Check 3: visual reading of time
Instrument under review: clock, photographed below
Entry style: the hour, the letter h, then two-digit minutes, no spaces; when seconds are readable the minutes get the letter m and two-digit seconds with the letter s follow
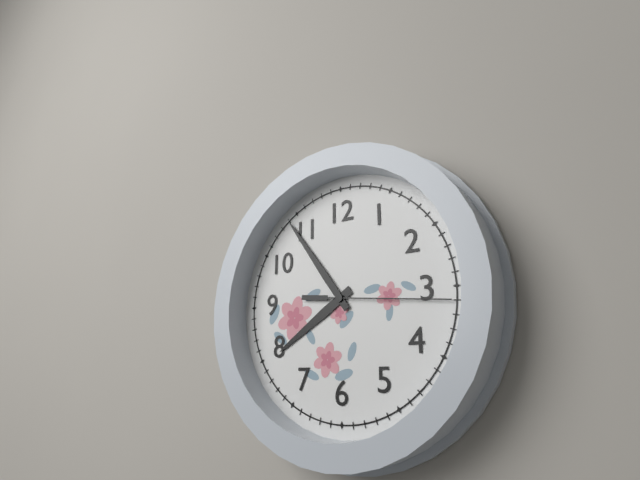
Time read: 7h54m16s
